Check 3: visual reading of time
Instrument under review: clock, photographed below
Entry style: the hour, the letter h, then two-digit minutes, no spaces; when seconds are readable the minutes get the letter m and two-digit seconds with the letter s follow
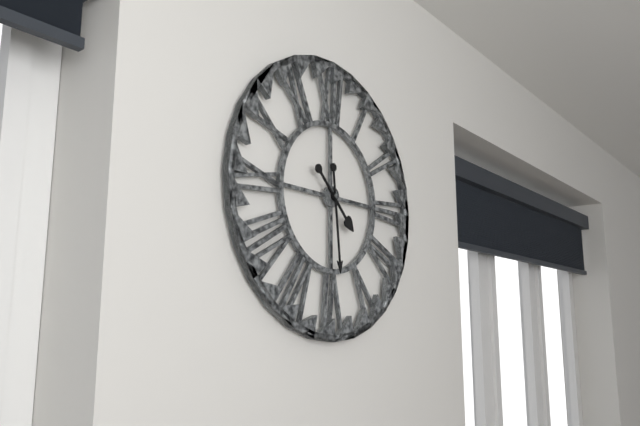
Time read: 4h29
